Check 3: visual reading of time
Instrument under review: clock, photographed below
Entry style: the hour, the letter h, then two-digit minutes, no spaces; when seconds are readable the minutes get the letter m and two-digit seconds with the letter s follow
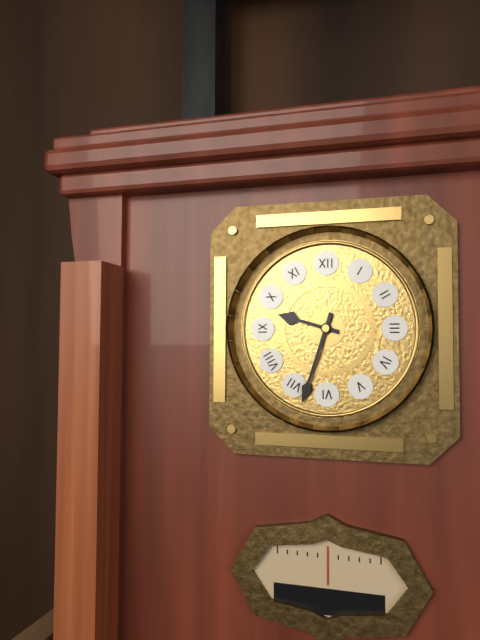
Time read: 9h33
